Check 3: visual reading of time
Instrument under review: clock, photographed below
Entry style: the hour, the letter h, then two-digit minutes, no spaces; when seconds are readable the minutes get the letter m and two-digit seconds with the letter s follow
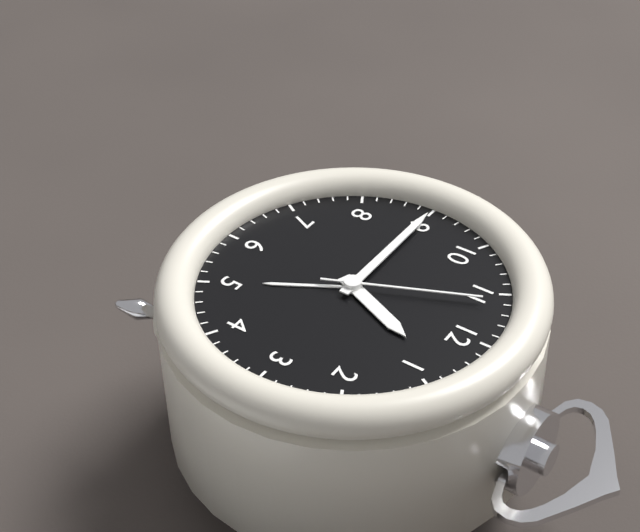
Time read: 12h45m56s
